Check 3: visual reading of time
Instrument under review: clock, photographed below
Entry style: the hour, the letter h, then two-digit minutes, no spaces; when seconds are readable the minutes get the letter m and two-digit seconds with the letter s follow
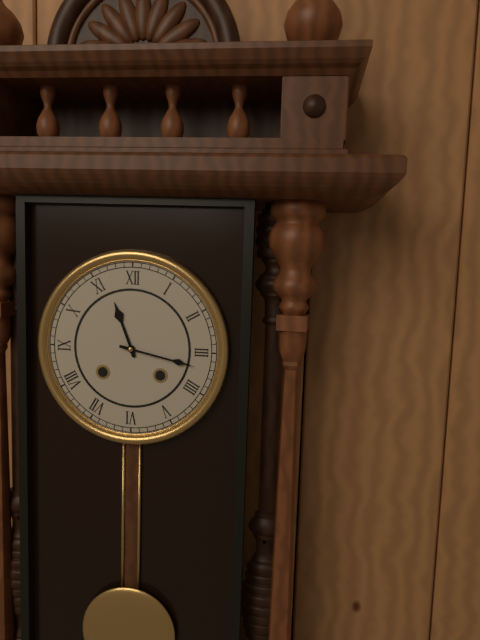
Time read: 11h17
